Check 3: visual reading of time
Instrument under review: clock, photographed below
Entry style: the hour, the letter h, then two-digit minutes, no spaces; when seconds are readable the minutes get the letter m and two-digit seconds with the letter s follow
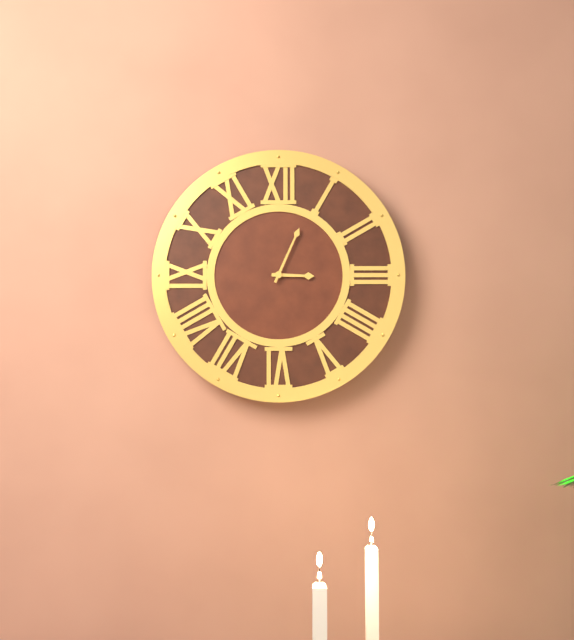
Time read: 3h04
